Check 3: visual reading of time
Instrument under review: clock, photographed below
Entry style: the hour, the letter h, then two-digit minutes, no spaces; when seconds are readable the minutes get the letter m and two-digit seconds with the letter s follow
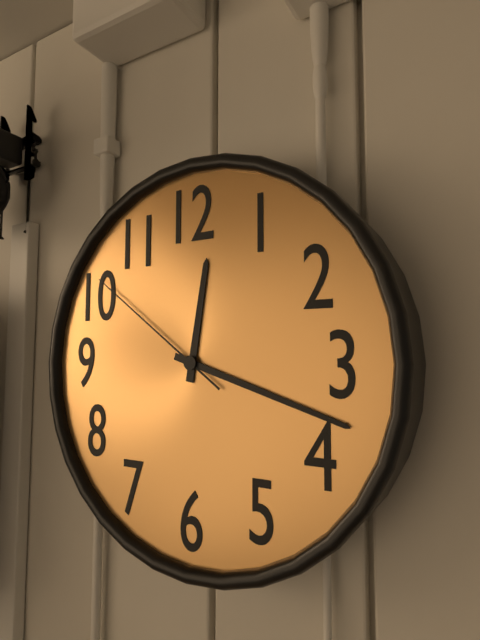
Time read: 12h18m51s
